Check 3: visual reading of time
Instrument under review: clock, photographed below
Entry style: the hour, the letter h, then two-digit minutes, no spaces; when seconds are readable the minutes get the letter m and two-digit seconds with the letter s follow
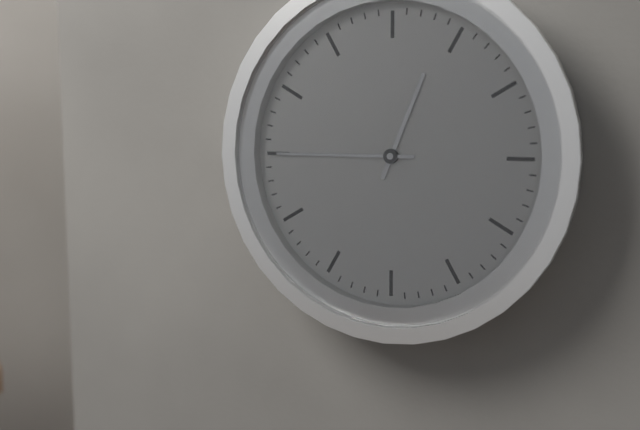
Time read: 12h45
